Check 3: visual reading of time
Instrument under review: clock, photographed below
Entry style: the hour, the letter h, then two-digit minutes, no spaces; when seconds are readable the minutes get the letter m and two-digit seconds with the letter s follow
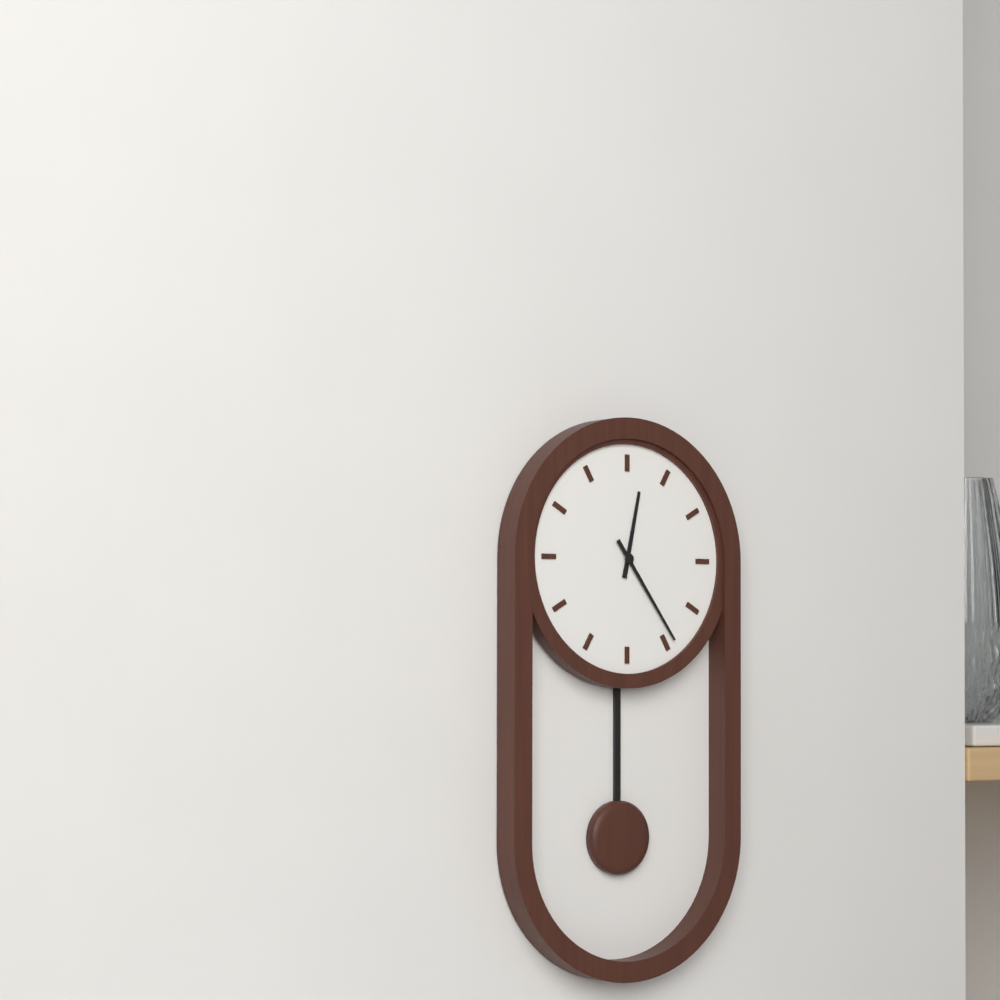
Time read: 12h24
